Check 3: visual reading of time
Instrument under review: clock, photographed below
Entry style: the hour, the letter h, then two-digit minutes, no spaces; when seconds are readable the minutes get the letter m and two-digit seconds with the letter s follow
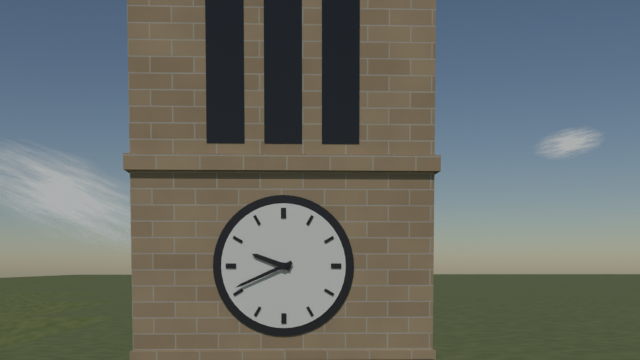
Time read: 9h41
